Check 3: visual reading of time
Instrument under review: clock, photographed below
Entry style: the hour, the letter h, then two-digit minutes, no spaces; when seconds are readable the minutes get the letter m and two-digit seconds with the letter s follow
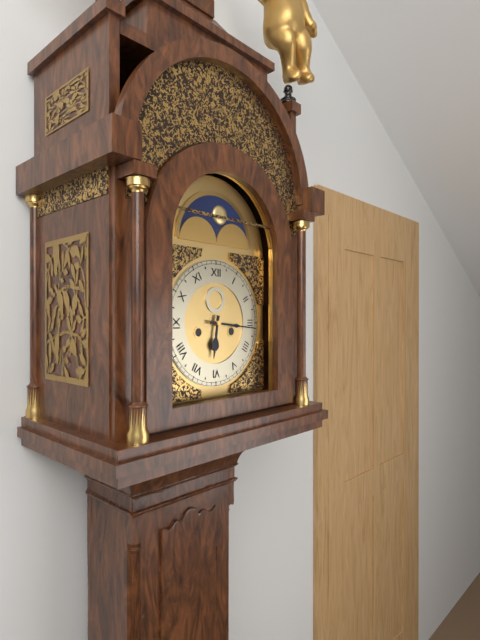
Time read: 6h16
